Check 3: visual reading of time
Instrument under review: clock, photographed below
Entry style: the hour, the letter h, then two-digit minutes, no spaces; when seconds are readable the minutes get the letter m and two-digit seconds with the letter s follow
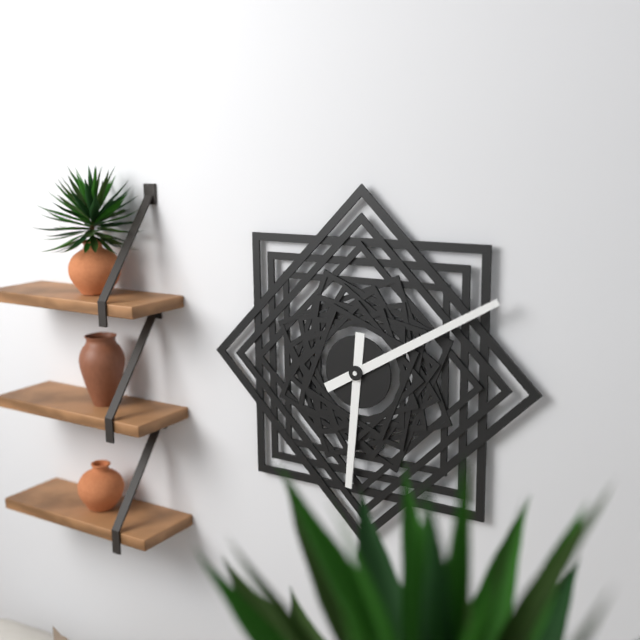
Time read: 6h10
